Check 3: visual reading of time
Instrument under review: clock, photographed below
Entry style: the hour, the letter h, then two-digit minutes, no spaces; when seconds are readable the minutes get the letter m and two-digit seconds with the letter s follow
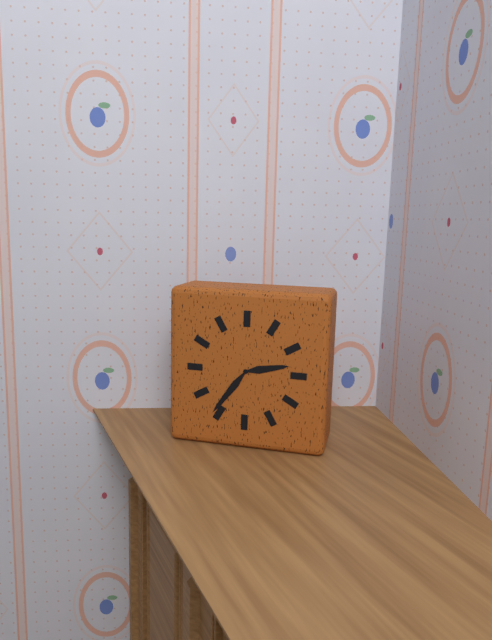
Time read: 2h36
